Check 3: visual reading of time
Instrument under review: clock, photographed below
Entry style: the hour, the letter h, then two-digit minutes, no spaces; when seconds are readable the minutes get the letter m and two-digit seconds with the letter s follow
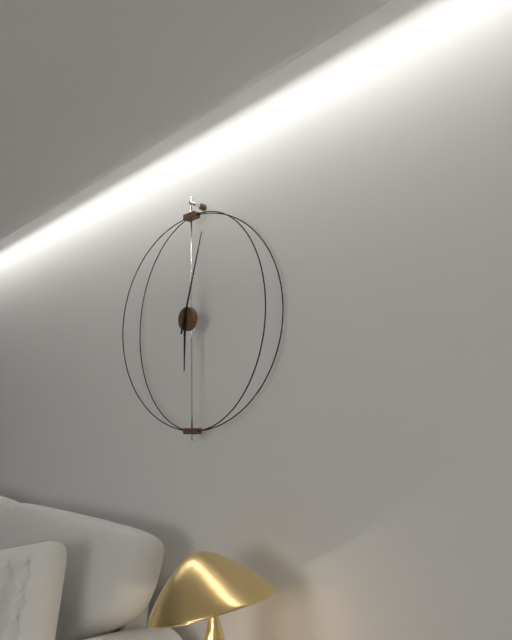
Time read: 6h03
